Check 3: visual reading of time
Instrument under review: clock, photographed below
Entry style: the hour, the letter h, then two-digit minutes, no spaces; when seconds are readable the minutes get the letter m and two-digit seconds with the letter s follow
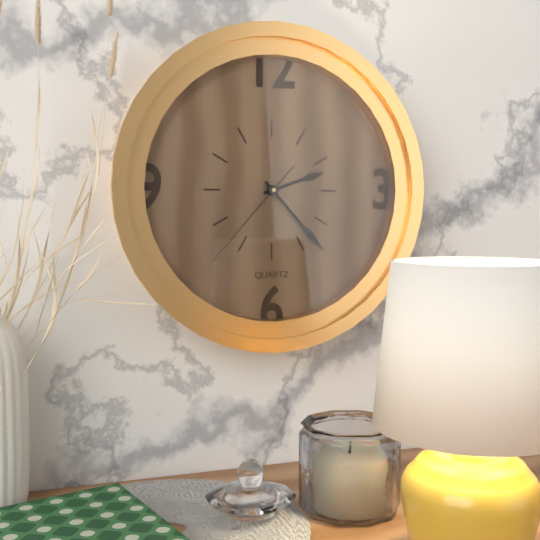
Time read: 2h23m37s
